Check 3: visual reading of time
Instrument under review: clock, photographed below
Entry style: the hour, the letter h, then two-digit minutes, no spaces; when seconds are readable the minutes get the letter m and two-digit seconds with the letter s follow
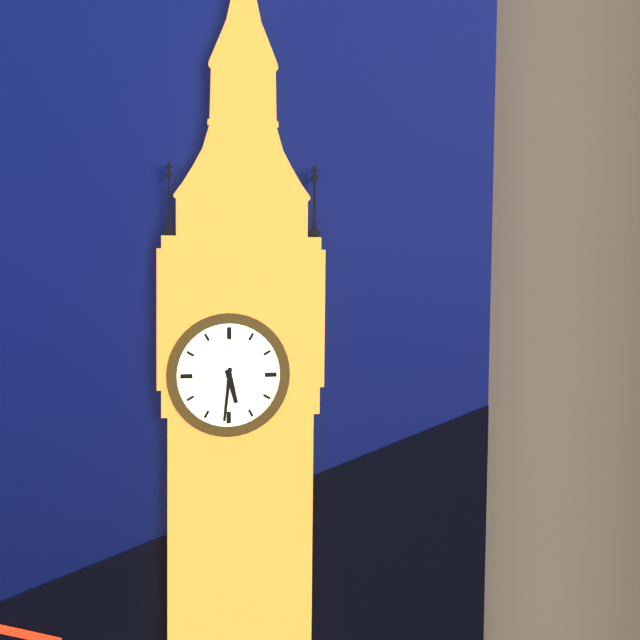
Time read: 5h31
